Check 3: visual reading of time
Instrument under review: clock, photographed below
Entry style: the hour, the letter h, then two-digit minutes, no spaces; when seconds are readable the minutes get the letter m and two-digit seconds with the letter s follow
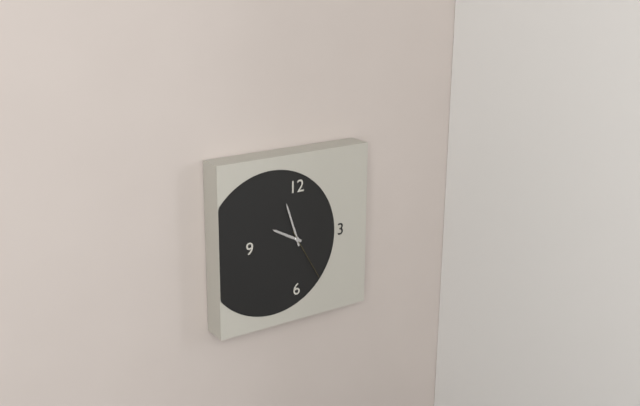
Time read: 9h57m25s
